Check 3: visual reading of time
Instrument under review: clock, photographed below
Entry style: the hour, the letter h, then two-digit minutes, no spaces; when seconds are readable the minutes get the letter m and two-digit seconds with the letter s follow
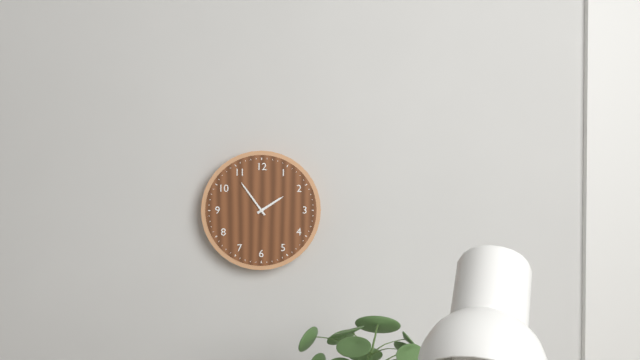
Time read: 1h54
